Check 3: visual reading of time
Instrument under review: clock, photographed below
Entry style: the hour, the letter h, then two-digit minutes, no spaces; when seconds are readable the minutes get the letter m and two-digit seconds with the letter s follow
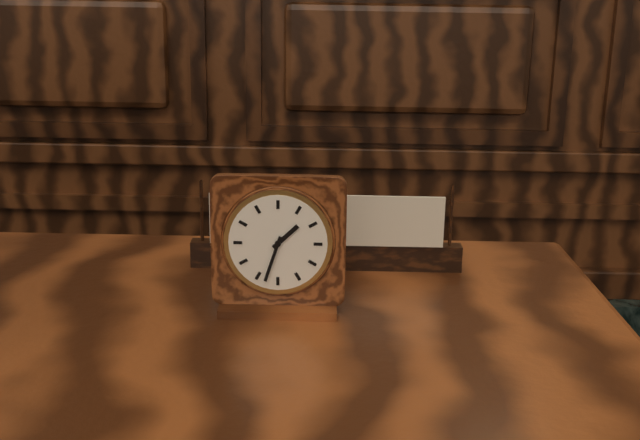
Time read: 1h33
